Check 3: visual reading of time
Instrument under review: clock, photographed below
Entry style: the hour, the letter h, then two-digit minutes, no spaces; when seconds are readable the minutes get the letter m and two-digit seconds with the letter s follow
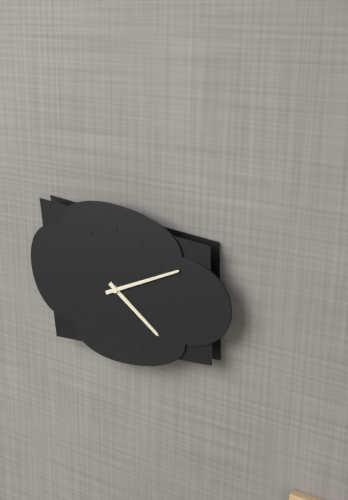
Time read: 4h11
